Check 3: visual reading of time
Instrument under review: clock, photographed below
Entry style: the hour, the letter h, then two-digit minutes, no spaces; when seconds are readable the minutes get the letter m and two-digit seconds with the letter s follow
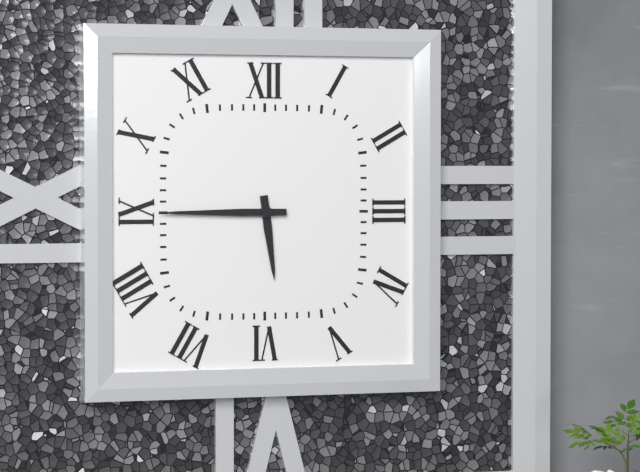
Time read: 5h45
